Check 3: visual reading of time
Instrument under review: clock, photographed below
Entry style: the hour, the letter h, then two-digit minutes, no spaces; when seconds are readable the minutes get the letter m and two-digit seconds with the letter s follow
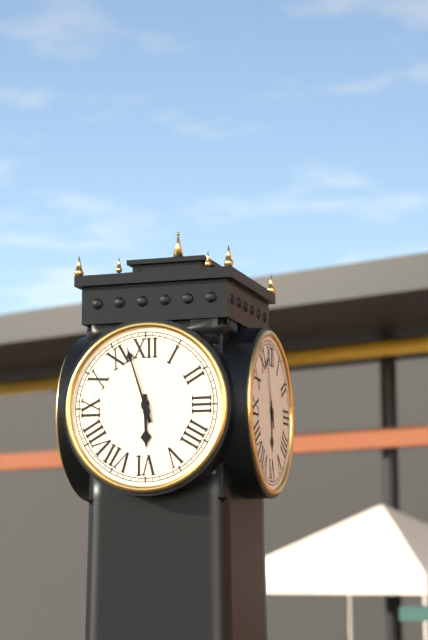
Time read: 5h57
